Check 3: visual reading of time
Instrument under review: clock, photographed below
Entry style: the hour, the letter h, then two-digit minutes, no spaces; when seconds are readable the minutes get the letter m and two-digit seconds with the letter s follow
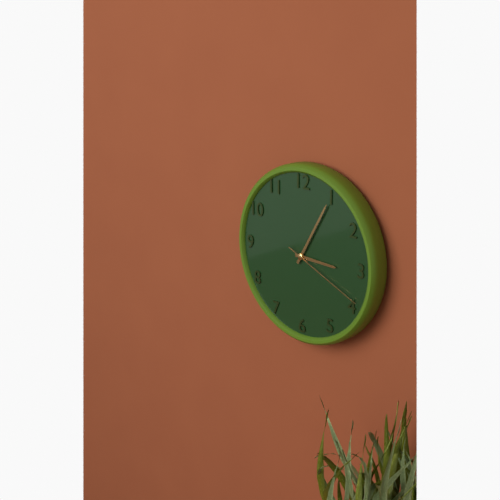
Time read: 3h05m19s
